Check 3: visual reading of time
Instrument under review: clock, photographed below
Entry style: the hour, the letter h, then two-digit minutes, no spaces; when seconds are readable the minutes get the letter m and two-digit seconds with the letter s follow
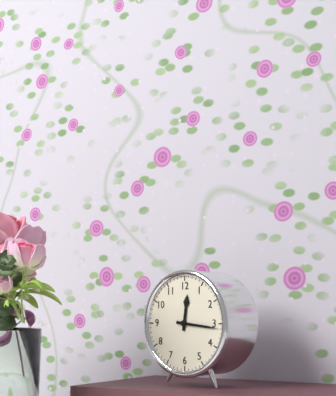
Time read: 12h16
